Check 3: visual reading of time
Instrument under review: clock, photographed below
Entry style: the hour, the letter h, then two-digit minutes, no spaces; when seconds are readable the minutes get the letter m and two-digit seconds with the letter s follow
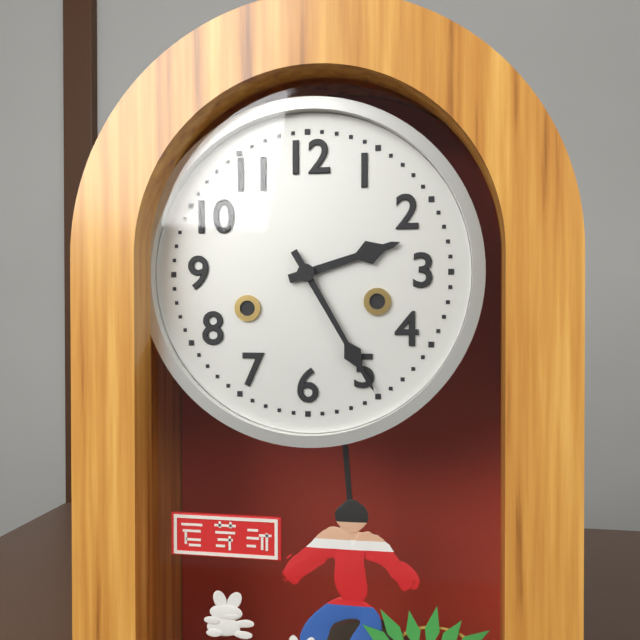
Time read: 2h25
